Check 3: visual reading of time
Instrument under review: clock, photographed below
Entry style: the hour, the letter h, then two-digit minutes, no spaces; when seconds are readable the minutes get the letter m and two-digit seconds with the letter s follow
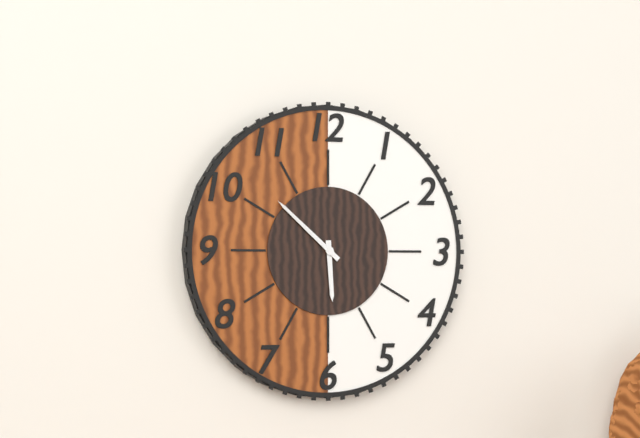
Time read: 5h52
